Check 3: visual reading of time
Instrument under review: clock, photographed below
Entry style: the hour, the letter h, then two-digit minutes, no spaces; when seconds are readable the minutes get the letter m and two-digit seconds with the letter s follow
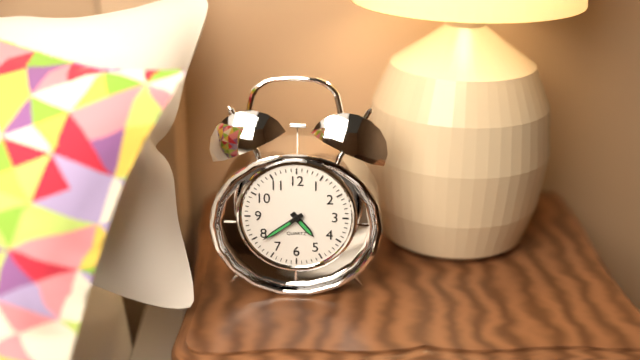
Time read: 4h39
